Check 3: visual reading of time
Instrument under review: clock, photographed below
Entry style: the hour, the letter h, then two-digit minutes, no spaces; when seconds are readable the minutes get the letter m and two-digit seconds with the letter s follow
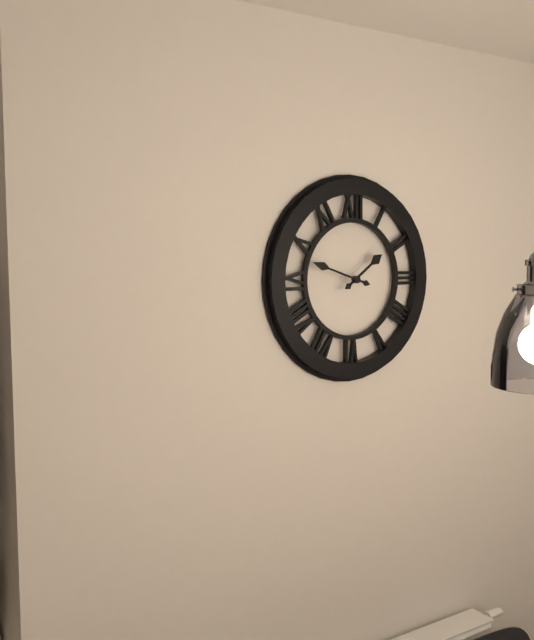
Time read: 1h48
